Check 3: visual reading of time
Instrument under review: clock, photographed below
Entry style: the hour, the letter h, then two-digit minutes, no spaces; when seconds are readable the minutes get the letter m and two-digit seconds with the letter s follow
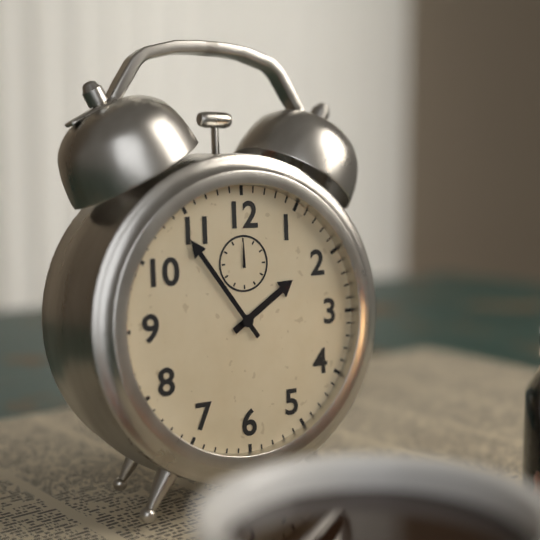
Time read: 1h54
